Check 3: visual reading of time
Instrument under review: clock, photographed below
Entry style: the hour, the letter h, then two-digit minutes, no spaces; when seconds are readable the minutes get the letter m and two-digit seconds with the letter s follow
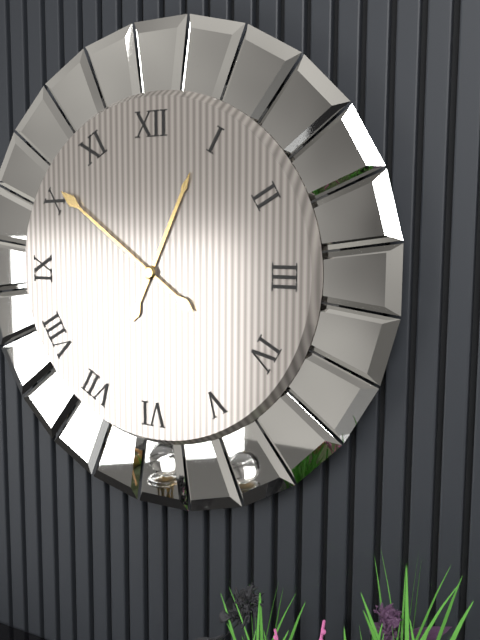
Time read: 12h51
